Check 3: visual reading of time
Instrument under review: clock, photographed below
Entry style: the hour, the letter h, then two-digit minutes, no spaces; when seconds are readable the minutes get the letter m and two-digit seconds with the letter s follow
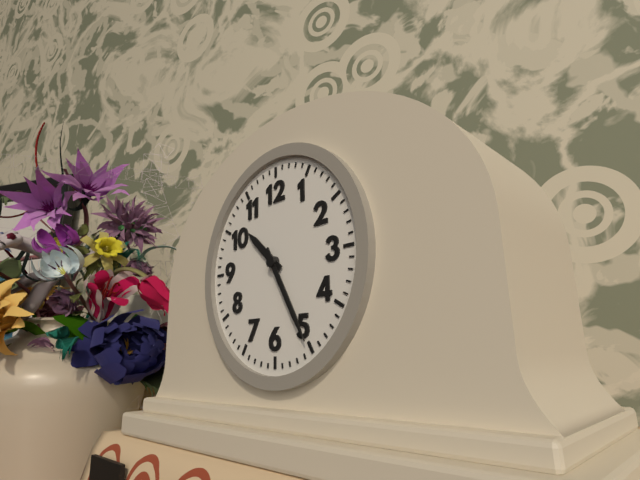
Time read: 10h25
